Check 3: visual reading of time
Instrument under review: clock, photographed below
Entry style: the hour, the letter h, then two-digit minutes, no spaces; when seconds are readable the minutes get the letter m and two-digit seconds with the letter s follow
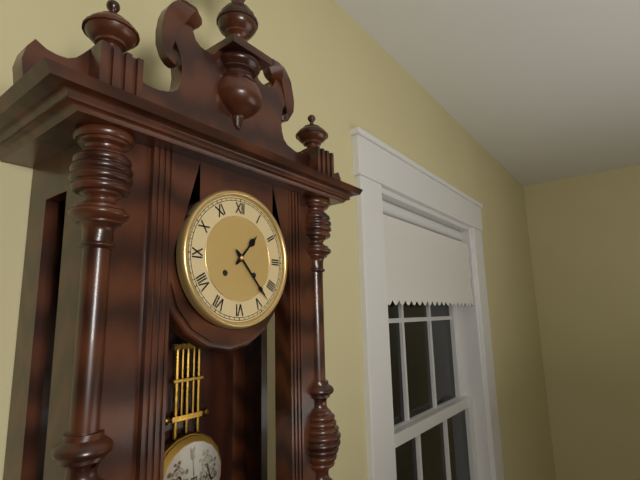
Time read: 1h23
